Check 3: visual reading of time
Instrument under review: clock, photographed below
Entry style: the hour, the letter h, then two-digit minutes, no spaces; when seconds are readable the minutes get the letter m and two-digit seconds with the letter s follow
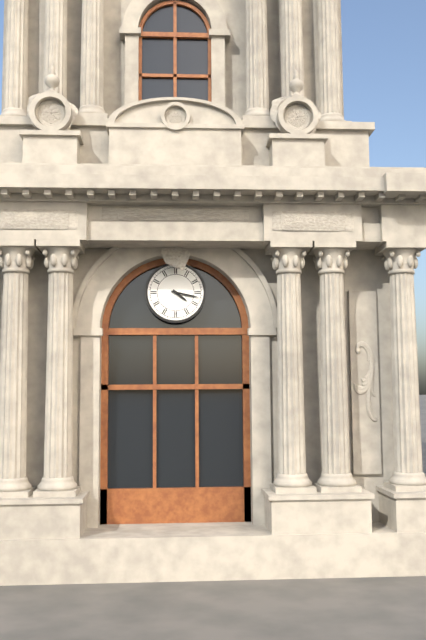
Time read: 4h17
